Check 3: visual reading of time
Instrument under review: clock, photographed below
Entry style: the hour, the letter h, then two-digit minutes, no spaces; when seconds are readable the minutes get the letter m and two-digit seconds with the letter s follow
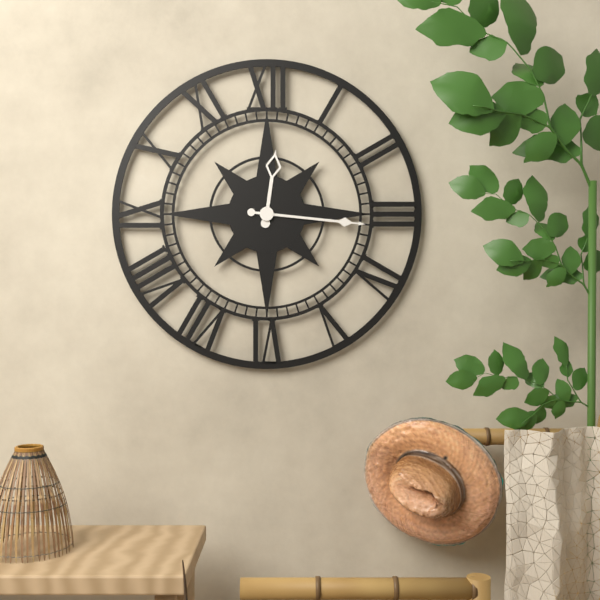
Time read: 12h16
